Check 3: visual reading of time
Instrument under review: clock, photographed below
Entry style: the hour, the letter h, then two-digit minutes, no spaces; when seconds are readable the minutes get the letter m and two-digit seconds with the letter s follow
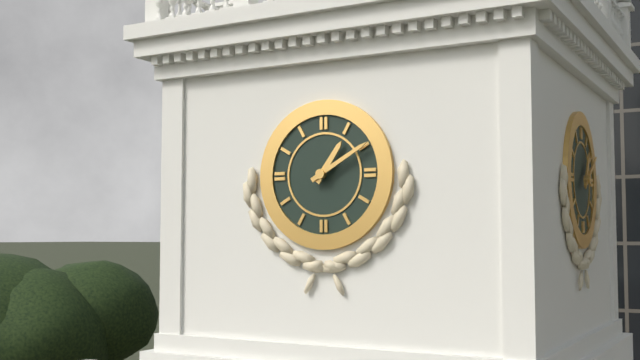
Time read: 1h10
